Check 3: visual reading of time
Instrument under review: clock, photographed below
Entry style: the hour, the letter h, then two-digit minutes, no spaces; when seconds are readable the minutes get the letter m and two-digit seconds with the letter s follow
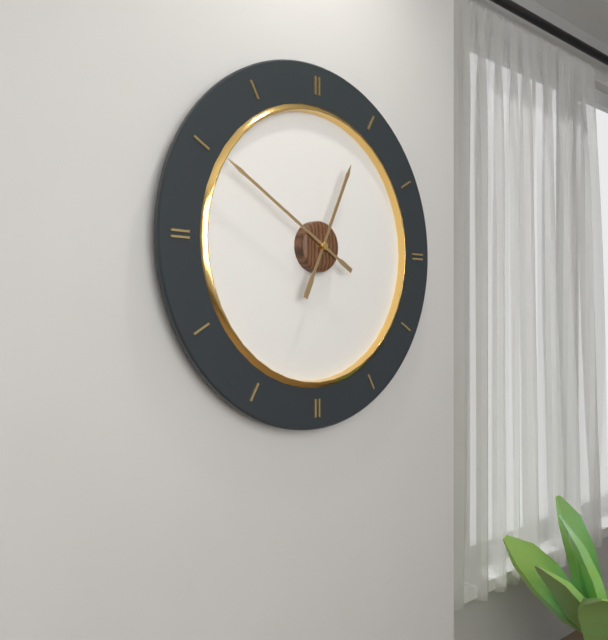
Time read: 12h50
